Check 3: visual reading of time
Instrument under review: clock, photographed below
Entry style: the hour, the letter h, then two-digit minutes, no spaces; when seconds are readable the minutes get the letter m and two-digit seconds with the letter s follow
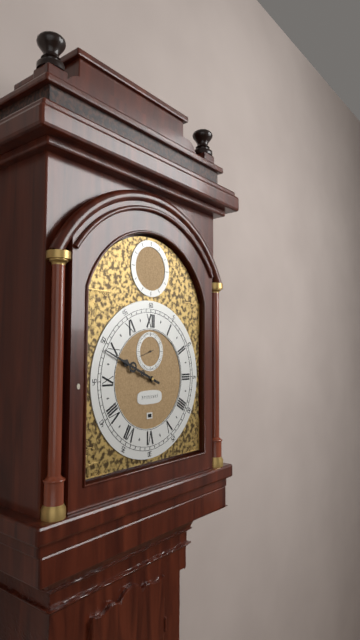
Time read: 9h49
